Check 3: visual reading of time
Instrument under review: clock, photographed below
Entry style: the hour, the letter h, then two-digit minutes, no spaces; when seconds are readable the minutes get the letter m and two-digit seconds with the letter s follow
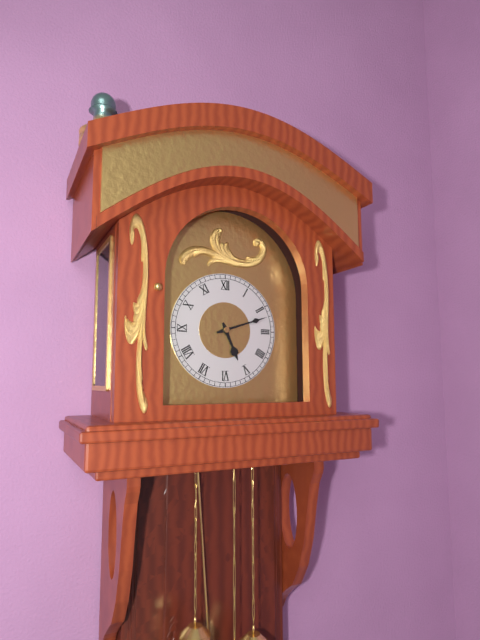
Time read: 5h12
